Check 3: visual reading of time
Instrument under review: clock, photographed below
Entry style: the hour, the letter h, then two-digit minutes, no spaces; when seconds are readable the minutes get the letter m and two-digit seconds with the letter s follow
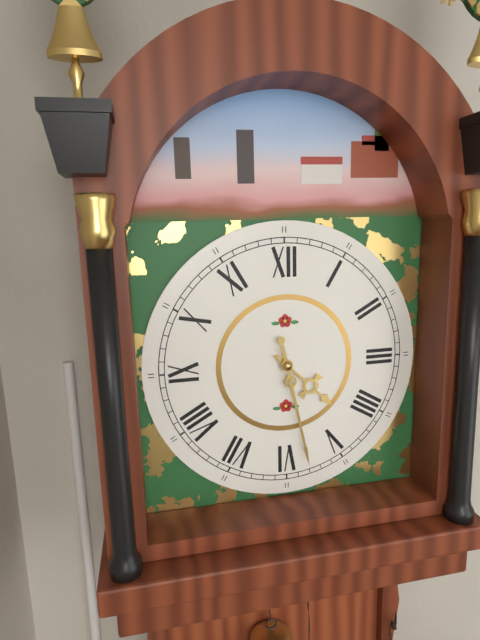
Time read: 4h28
